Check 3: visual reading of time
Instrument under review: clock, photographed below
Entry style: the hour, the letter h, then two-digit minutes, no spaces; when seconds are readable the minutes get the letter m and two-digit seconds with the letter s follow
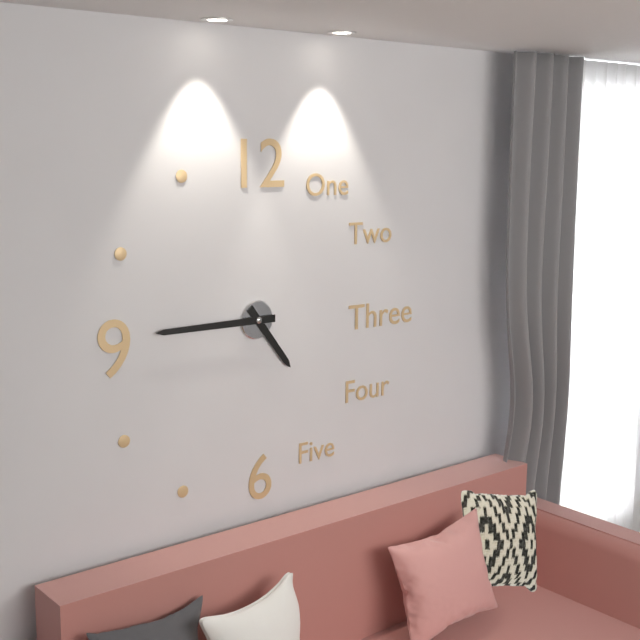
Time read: 4h45
